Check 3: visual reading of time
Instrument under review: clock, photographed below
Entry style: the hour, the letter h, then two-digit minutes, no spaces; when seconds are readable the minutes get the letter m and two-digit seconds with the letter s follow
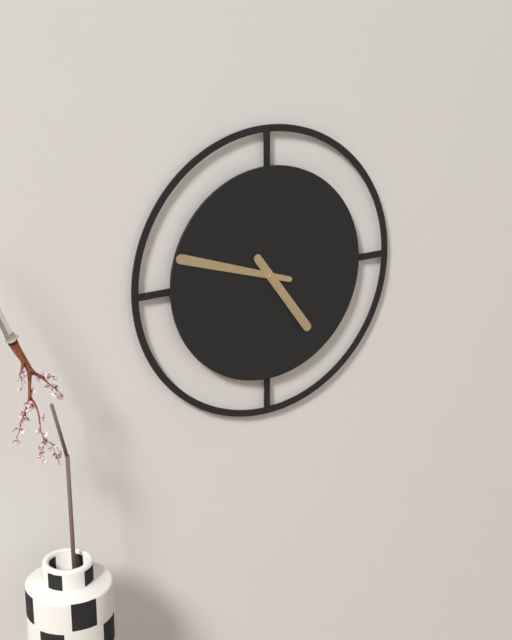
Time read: 4h48
